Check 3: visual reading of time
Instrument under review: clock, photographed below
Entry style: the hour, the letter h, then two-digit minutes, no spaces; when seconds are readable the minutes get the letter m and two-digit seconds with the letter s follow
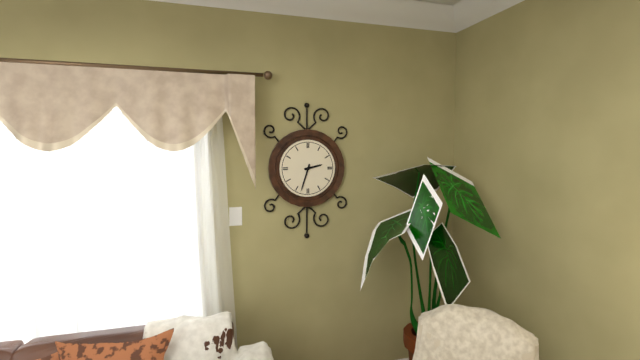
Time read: 2h33
